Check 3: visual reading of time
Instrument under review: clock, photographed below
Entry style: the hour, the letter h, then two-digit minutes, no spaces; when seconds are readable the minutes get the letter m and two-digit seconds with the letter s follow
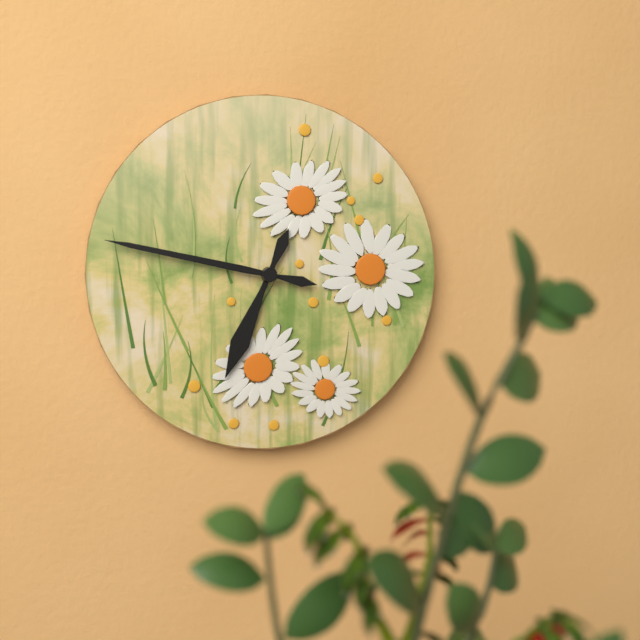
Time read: 6h47
